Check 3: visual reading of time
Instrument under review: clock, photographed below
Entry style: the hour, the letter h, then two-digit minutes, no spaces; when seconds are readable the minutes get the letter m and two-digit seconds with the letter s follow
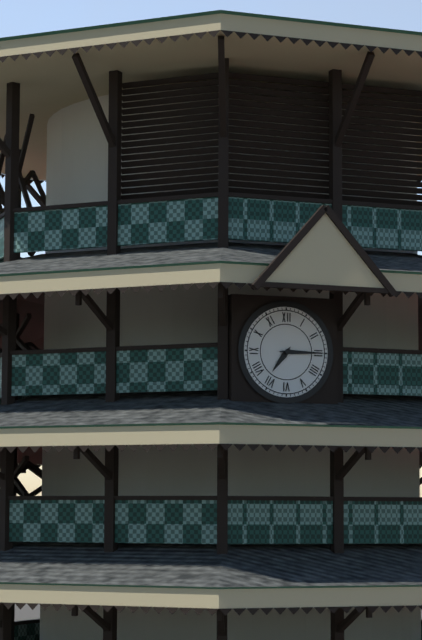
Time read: 7h15
